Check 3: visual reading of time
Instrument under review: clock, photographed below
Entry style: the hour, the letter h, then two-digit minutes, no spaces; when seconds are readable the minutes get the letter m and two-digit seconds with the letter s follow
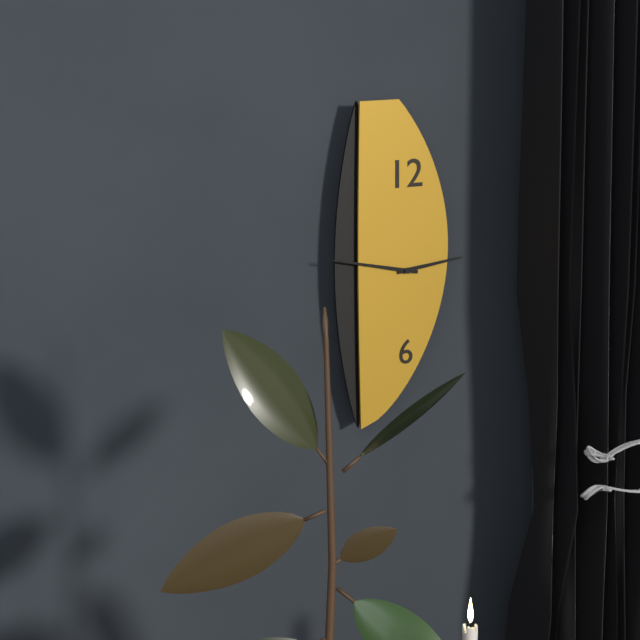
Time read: 2h47
